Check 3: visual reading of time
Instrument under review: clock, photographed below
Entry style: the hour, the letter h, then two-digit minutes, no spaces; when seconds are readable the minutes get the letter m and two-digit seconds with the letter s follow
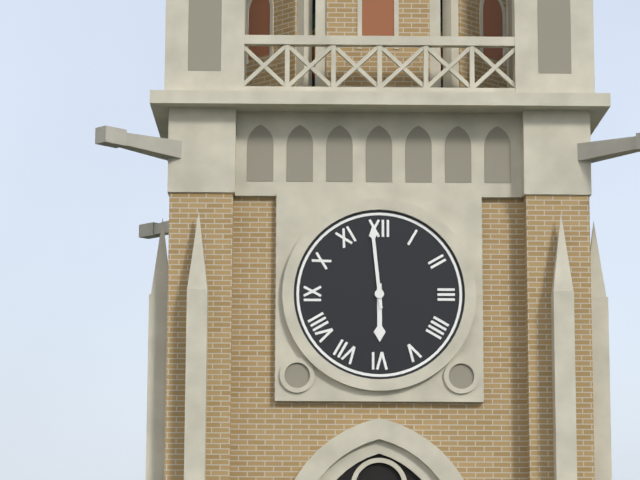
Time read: 5h59
